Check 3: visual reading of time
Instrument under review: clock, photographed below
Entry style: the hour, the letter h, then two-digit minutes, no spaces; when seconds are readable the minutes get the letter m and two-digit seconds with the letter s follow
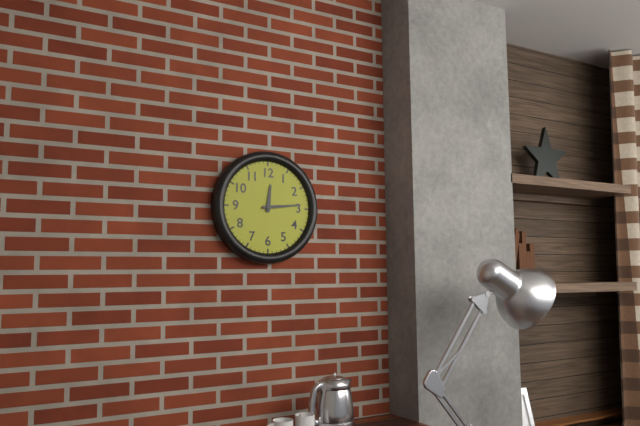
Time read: 12h14
